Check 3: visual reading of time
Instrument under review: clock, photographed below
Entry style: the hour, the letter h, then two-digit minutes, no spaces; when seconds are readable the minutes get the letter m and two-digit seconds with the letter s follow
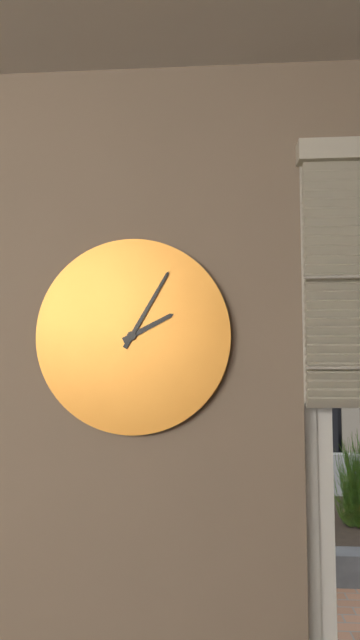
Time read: 2h05
